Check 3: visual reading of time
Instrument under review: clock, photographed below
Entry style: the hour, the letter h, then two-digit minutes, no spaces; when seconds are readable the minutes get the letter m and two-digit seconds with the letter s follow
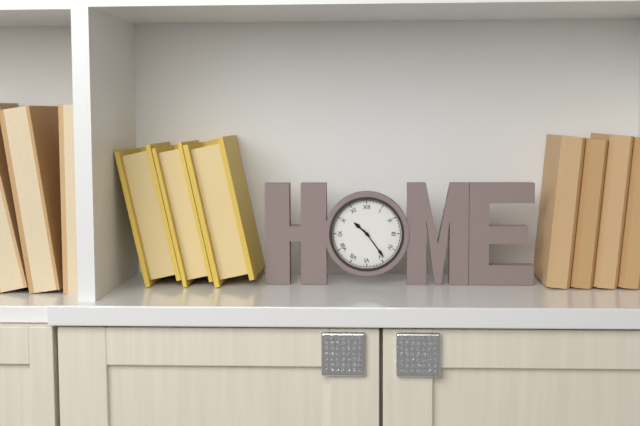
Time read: 10h24
